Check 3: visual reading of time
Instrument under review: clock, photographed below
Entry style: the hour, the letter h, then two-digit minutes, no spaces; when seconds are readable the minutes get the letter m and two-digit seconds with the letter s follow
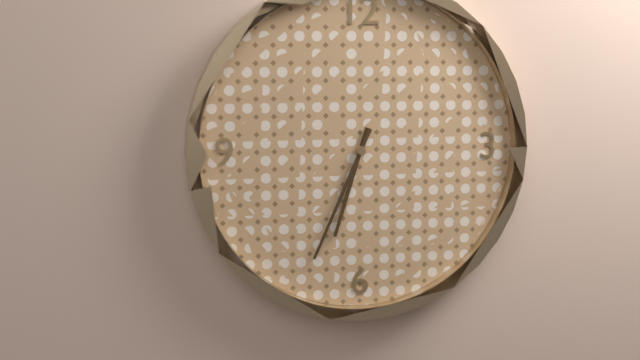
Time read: 6h34
